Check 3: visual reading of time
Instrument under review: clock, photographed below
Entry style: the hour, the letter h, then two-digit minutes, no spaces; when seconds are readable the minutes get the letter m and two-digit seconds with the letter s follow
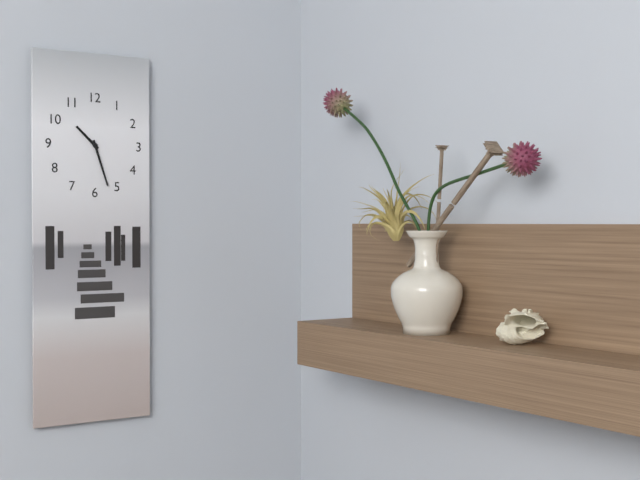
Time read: 10h27
